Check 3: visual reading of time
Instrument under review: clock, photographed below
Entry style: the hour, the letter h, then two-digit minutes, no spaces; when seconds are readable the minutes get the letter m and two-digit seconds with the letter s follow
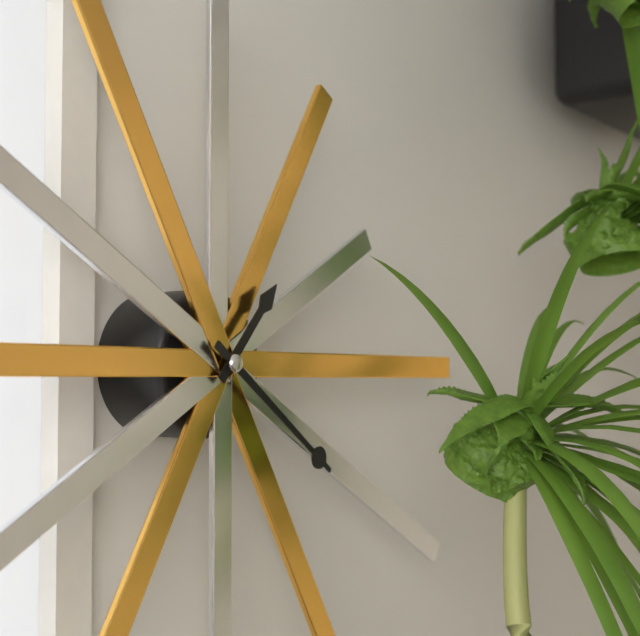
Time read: 1h21
